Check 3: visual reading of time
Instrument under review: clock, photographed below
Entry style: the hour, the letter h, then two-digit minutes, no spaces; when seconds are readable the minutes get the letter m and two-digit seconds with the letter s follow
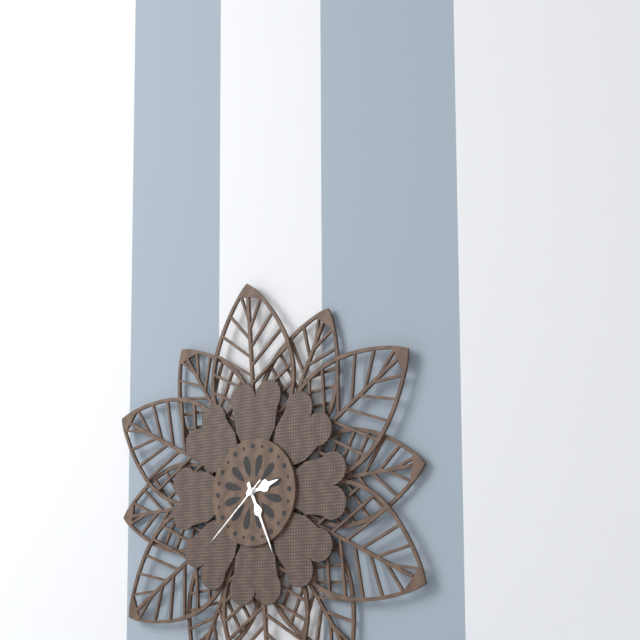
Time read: 2h26m38s
